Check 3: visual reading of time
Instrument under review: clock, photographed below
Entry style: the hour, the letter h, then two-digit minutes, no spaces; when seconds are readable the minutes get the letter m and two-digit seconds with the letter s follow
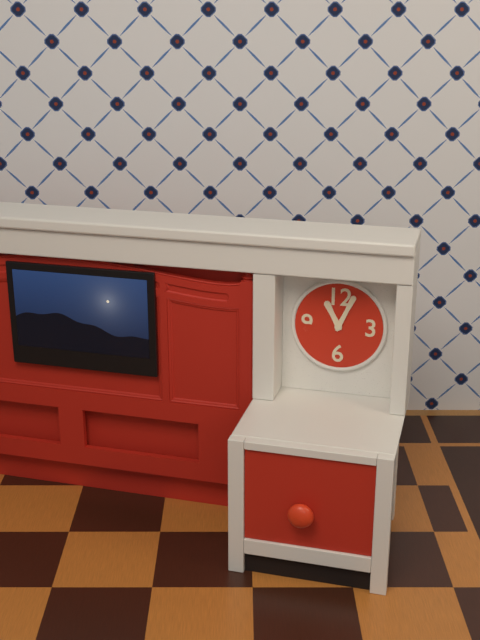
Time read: 11h04
